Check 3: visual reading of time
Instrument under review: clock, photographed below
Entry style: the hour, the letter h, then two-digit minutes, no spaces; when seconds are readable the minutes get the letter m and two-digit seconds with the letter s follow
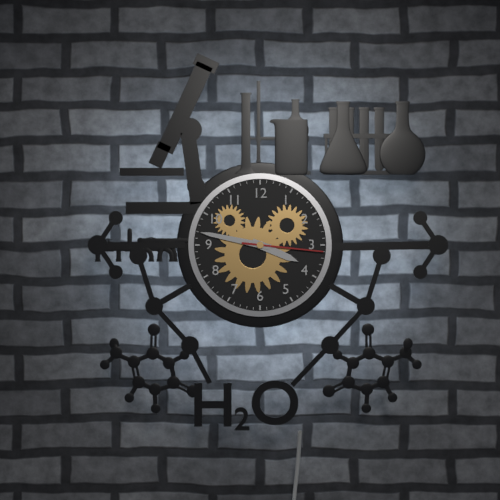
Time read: 3h47m16s
